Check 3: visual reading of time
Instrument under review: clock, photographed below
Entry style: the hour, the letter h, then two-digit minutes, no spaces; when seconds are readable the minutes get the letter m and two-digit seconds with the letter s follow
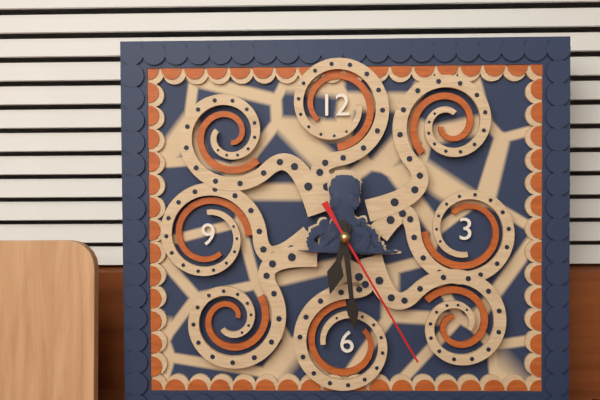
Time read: 6h29m25s
